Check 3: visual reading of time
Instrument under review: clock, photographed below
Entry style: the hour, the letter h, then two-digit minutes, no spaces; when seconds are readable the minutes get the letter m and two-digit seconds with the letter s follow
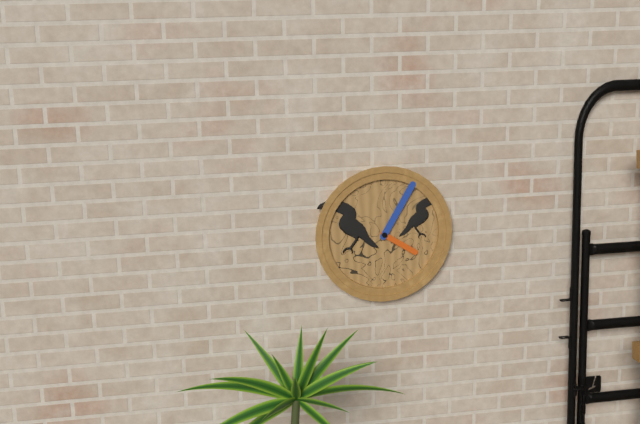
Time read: 4h05
